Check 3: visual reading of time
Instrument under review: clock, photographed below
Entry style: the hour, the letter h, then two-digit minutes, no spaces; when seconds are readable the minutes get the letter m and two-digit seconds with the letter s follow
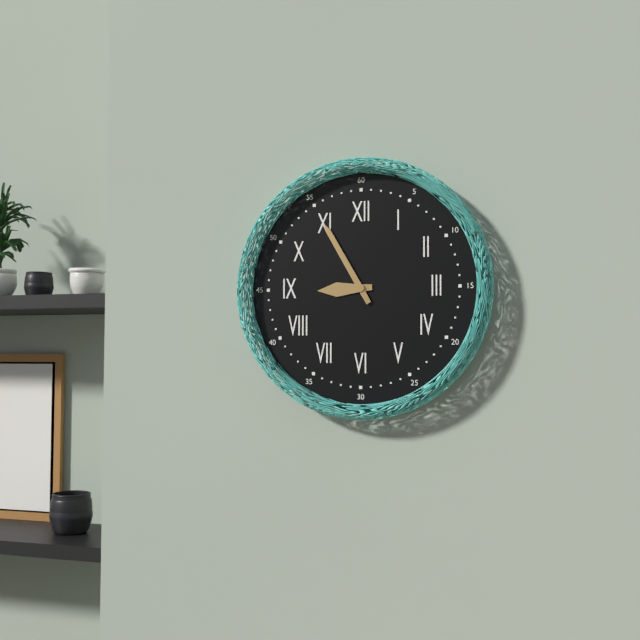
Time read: 8h55
